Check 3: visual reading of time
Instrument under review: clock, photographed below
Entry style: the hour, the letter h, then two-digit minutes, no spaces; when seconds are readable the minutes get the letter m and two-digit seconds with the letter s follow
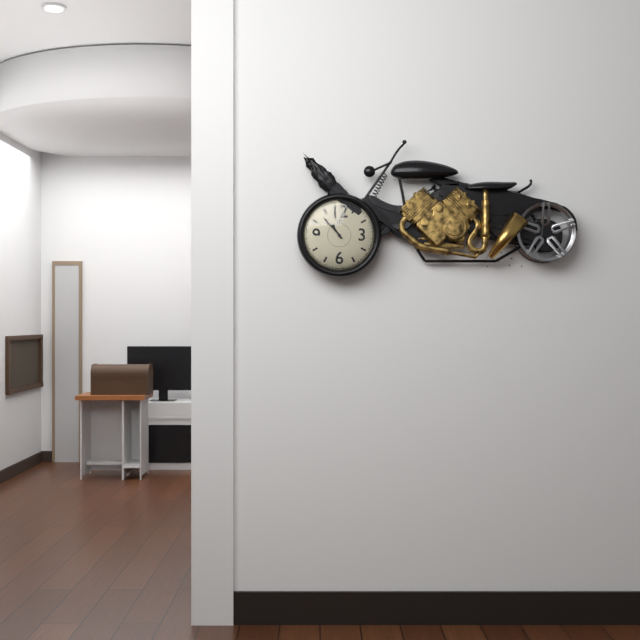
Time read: 10h53
